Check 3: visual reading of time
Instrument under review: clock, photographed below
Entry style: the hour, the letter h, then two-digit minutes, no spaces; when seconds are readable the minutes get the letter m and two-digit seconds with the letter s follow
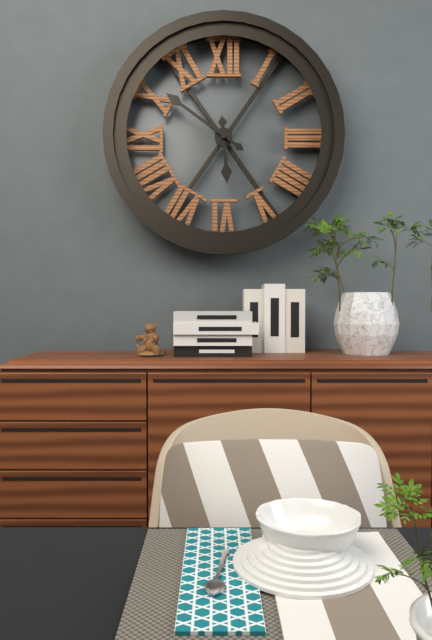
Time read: 5h51
